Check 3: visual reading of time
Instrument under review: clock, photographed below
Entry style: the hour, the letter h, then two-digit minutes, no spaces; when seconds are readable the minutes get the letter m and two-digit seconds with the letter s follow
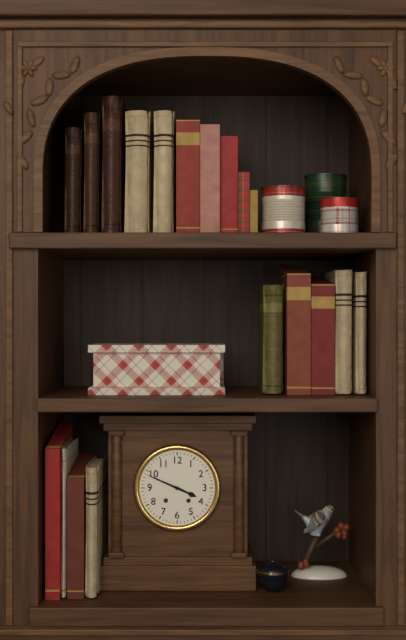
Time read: 3h49
